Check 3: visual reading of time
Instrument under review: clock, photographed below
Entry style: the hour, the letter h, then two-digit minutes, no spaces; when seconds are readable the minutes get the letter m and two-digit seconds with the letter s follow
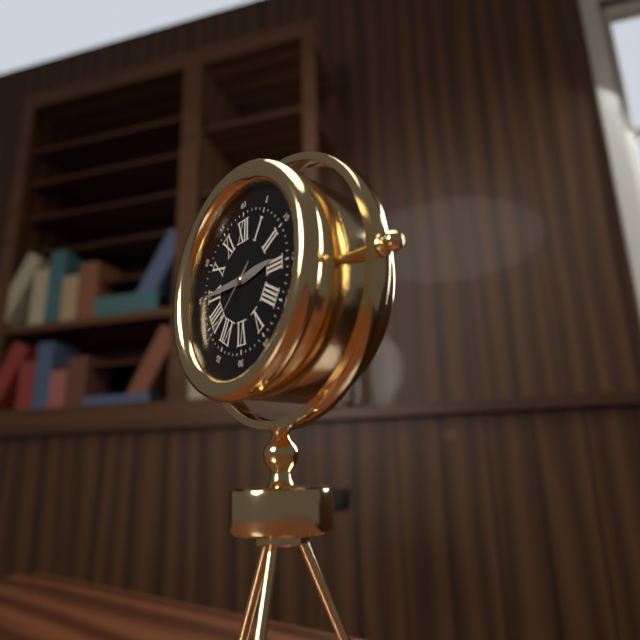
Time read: 2h45m38s
